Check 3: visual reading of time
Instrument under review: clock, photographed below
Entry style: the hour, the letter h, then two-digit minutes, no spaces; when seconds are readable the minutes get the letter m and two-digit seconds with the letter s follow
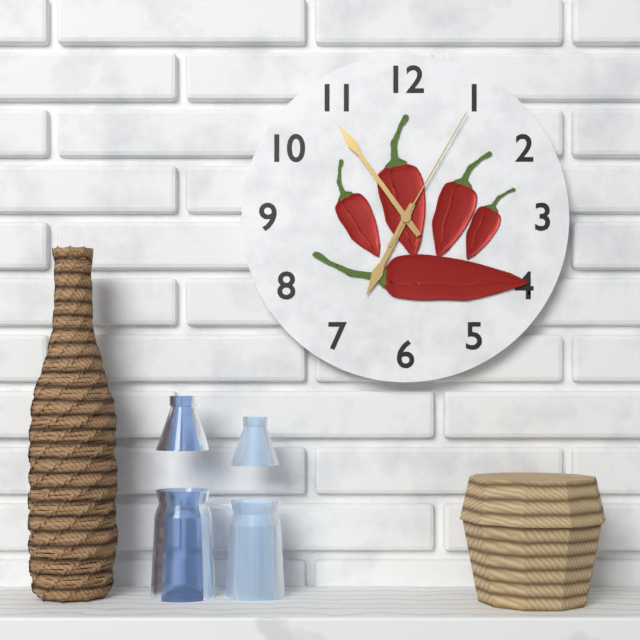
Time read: 6h54m05s
